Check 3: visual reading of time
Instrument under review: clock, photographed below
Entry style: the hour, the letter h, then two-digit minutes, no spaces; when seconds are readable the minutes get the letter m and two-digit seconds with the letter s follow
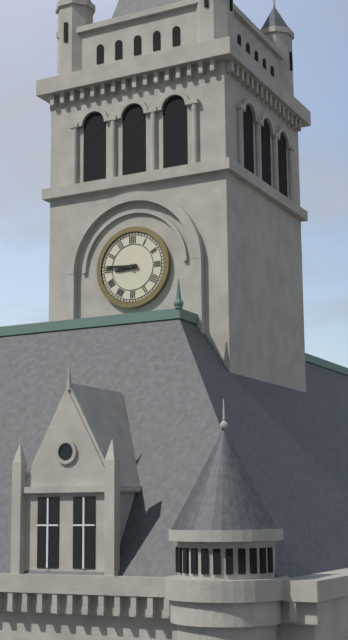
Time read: 8h46
